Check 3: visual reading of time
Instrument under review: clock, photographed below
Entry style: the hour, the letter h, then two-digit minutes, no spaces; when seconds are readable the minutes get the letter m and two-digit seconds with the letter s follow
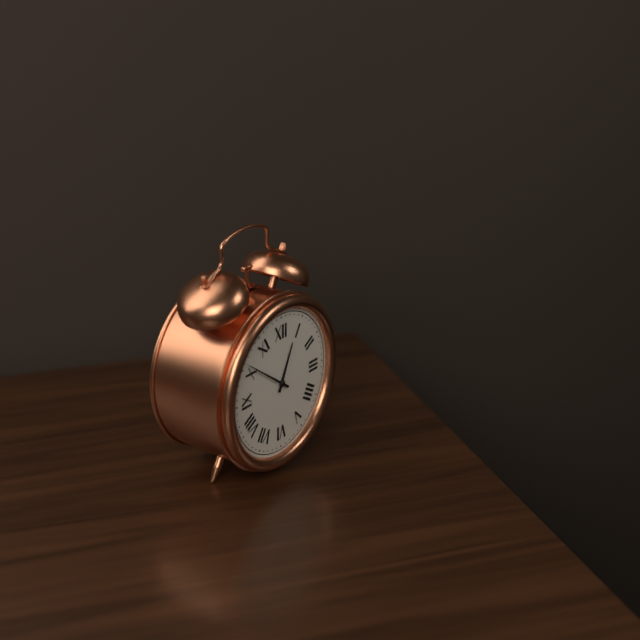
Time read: 12h51
